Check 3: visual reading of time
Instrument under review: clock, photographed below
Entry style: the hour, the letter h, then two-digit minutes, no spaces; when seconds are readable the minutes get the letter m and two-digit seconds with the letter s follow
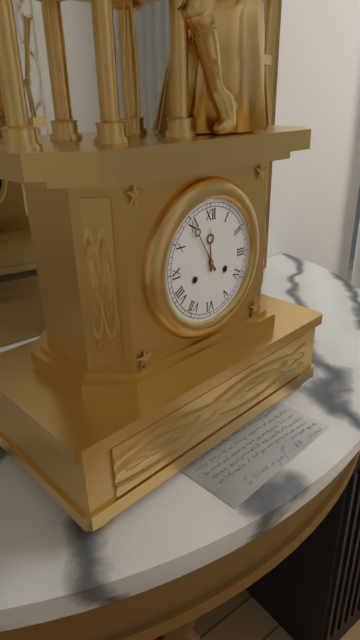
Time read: 11h55
